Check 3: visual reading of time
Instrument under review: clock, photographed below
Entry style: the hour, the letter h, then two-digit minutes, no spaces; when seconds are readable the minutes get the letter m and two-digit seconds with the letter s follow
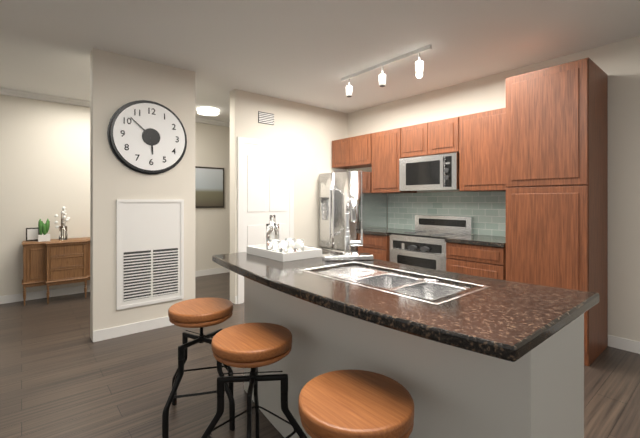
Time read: 5h52
